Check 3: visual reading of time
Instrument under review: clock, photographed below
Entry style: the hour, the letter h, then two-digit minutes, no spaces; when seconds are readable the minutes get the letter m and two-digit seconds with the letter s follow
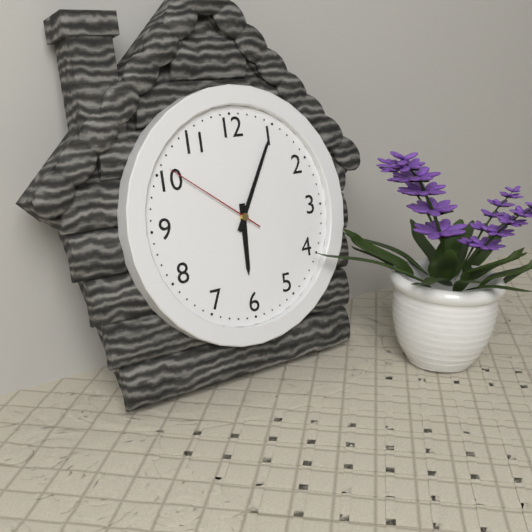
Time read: 6h05m51s
